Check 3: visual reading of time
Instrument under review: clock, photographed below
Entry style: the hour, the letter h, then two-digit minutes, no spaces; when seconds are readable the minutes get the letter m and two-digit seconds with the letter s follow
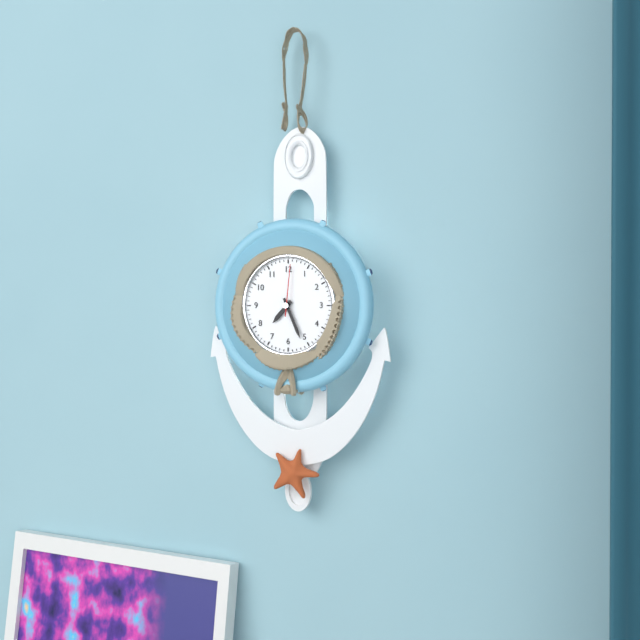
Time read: 7h26m01s
